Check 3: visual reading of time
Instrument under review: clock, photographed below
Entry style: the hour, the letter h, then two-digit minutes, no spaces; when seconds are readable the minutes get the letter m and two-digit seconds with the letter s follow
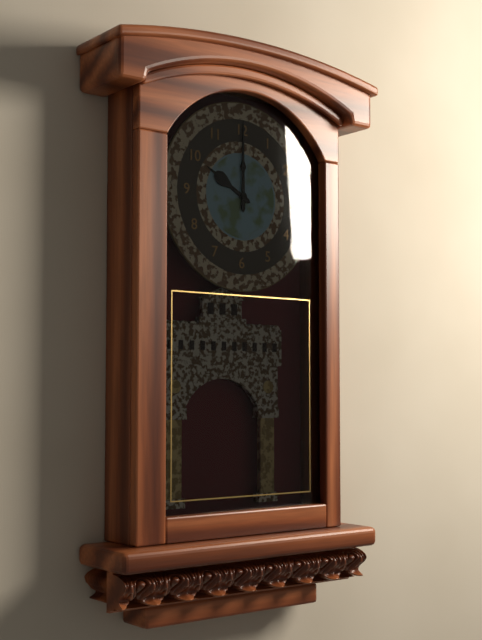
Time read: 10h00
